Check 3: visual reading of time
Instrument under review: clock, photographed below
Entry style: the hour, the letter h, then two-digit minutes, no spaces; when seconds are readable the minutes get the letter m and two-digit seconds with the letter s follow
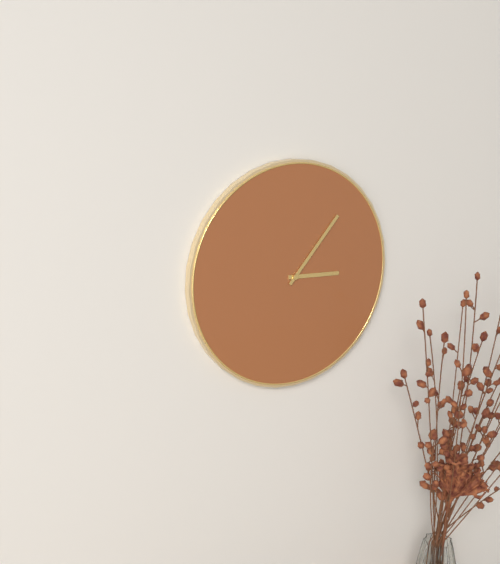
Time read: 3h07
